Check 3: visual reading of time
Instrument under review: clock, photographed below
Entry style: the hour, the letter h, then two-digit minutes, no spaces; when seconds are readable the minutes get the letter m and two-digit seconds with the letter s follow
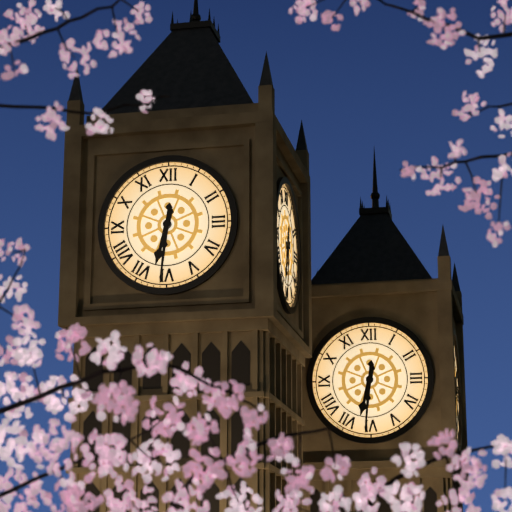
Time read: 6h31
